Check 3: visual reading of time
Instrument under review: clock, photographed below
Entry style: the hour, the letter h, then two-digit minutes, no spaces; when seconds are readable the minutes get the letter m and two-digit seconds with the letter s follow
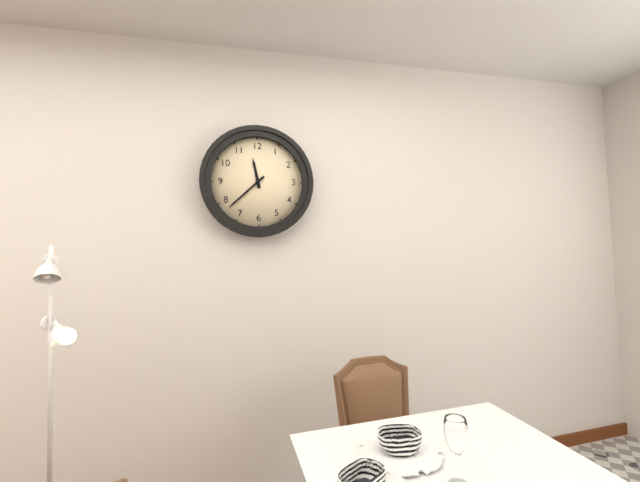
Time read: 11h38
